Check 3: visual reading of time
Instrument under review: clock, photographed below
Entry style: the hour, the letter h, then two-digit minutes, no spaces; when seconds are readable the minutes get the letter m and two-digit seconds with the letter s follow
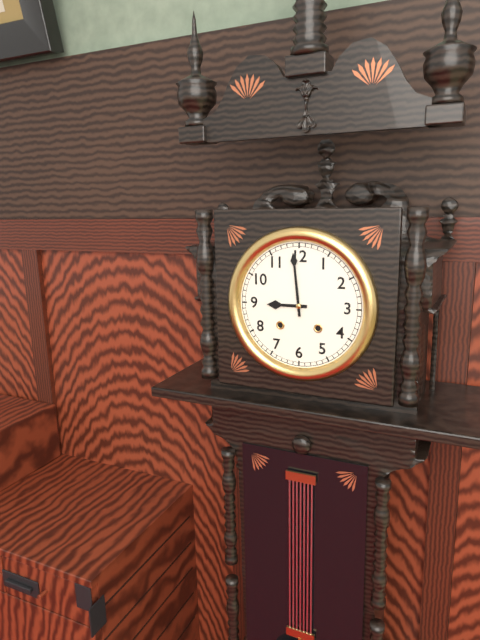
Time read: 8h59
